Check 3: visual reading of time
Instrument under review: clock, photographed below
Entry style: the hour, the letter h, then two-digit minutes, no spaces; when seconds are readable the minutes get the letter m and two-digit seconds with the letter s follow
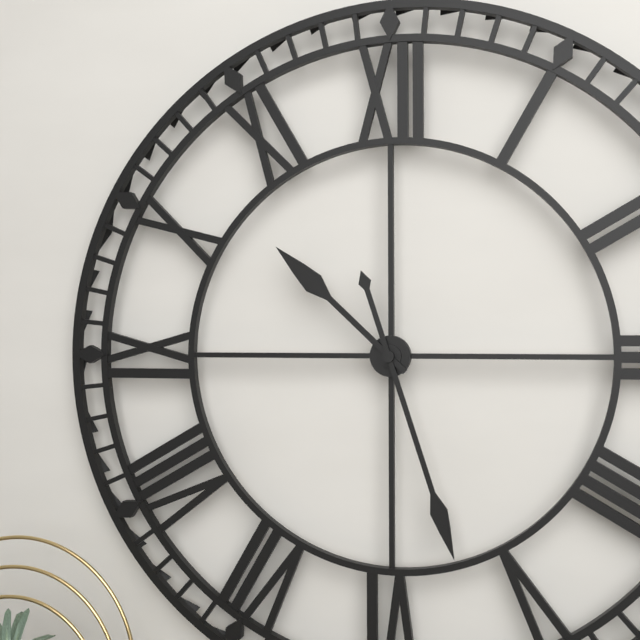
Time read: 10h27
